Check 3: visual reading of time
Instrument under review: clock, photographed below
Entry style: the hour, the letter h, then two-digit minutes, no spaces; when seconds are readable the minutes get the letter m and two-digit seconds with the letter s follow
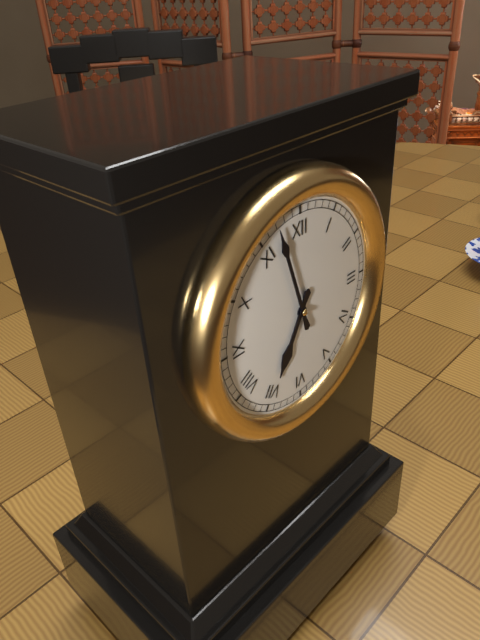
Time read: 6h57
